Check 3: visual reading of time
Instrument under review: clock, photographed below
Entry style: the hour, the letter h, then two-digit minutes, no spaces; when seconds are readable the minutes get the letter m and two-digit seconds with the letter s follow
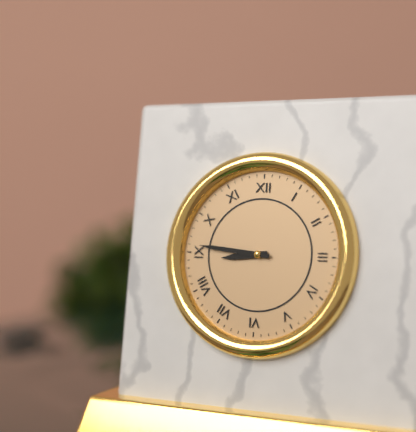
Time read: 8h46
